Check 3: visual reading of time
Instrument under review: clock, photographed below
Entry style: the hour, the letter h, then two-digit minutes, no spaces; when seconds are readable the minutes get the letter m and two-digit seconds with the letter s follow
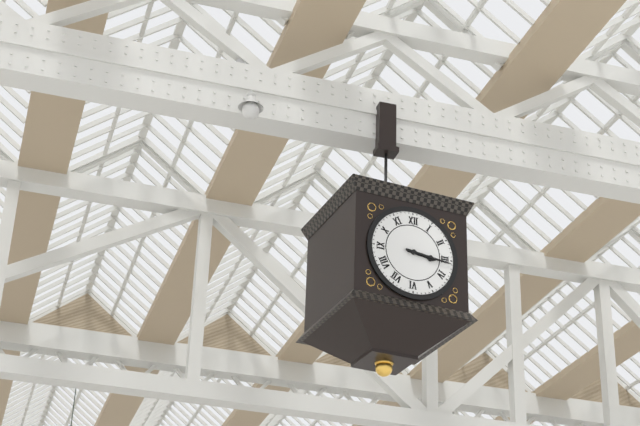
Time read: 3h16
